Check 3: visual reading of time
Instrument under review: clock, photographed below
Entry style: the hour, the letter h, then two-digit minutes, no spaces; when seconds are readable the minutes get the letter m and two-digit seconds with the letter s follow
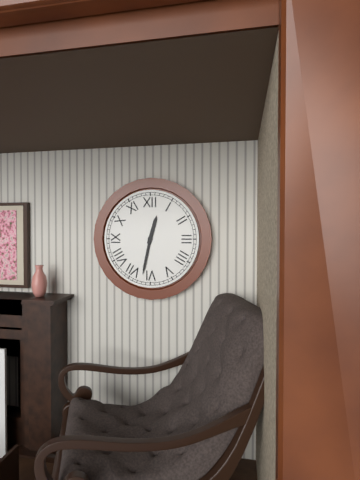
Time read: 12h32
